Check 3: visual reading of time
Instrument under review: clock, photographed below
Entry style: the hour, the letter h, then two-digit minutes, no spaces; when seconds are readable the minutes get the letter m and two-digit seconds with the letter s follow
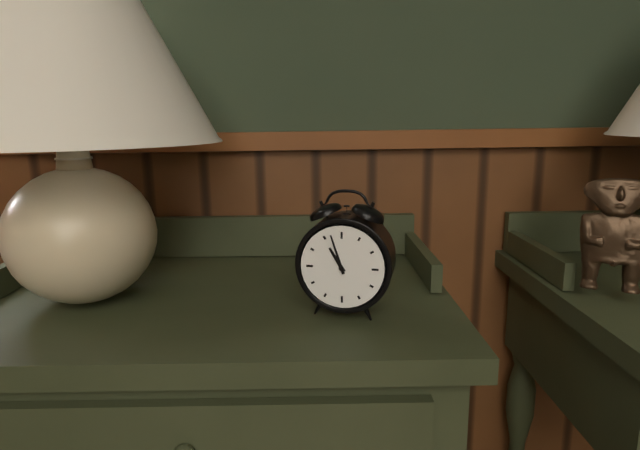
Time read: 10h57
